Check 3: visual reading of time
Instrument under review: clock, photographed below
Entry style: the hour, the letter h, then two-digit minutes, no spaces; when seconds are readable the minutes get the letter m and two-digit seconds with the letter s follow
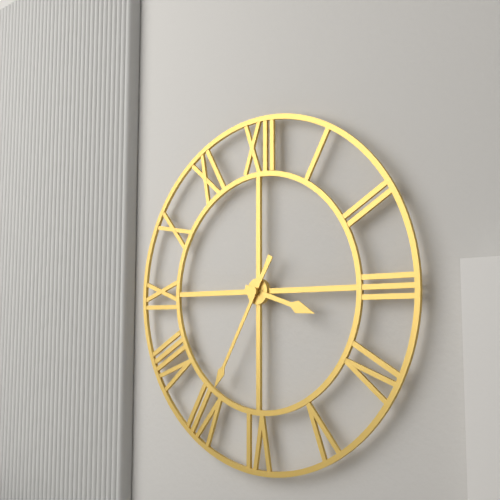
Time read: 3h35
